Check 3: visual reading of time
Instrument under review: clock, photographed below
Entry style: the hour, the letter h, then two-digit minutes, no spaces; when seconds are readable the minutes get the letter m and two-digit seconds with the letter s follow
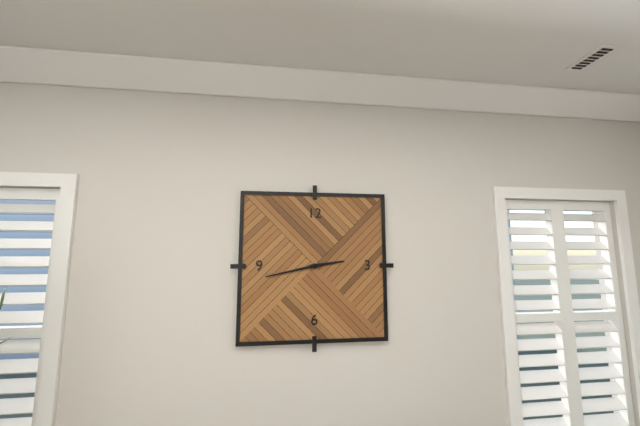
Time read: 2h43
